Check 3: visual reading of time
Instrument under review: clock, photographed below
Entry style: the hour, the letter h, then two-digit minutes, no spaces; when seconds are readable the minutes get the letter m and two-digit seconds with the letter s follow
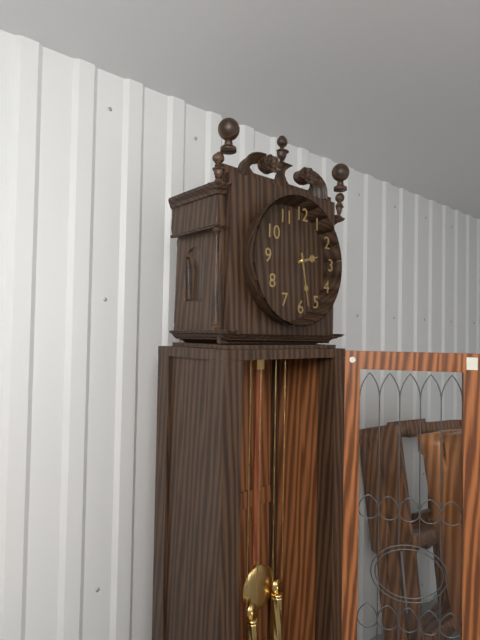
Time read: 2h28
